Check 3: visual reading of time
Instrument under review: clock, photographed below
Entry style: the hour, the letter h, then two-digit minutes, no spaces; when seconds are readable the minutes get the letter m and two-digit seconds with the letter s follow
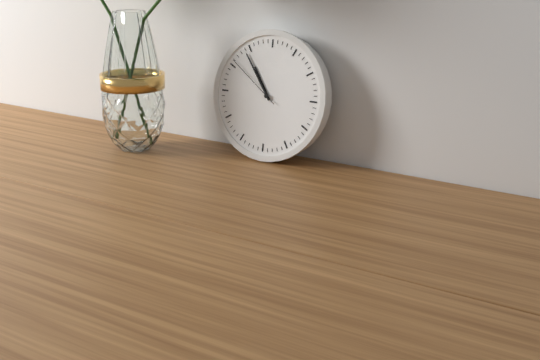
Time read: 10h54m51s
